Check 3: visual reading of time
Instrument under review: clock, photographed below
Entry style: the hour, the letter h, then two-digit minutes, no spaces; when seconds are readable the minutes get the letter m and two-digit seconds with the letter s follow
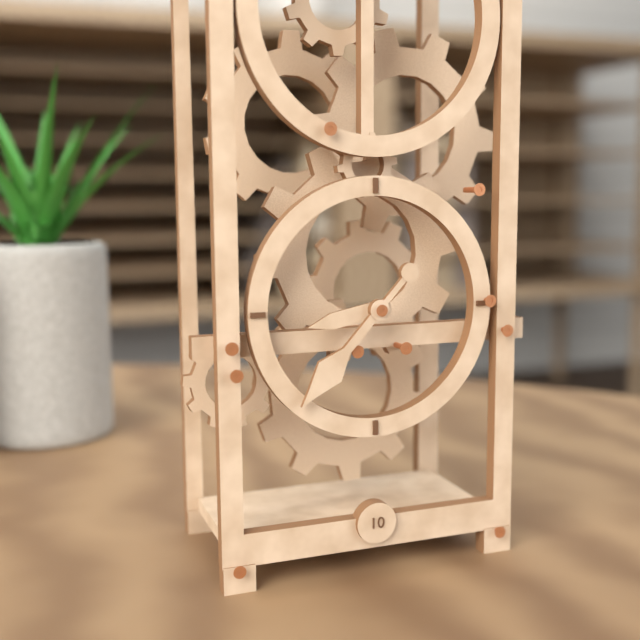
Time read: 8h37
